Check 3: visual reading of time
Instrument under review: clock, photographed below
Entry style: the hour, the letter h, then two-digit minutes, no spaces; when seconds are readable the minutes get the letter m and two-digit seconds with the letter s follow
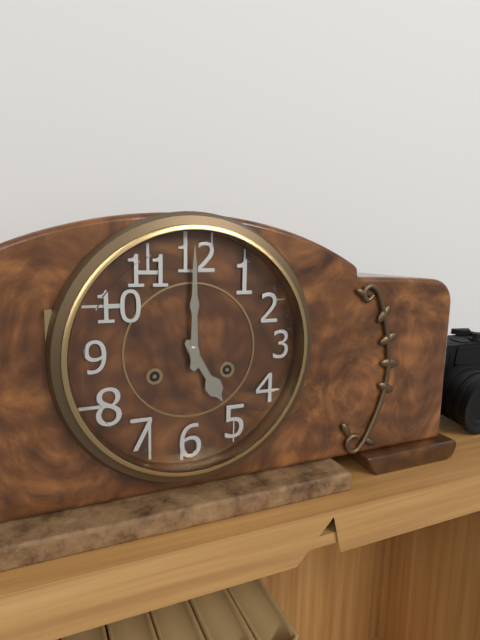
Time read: 5h00
